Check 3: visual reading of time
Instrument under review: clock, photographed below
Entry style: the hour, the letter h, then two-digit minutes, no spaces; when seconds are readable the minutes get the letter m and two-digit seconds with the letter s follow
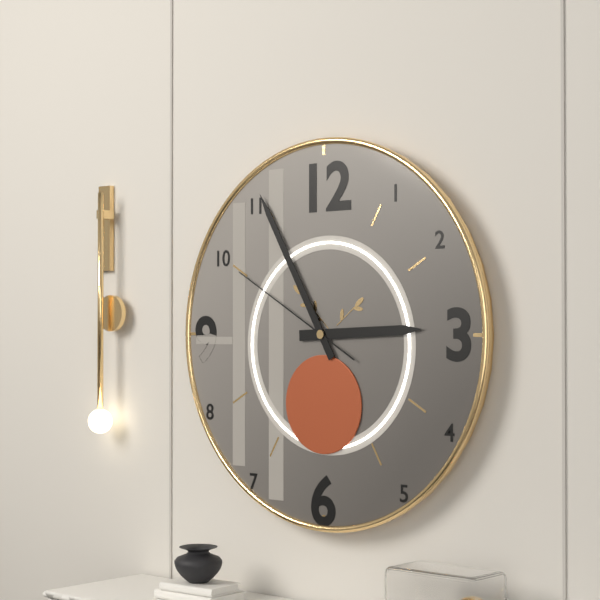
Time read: 2h55m50s
